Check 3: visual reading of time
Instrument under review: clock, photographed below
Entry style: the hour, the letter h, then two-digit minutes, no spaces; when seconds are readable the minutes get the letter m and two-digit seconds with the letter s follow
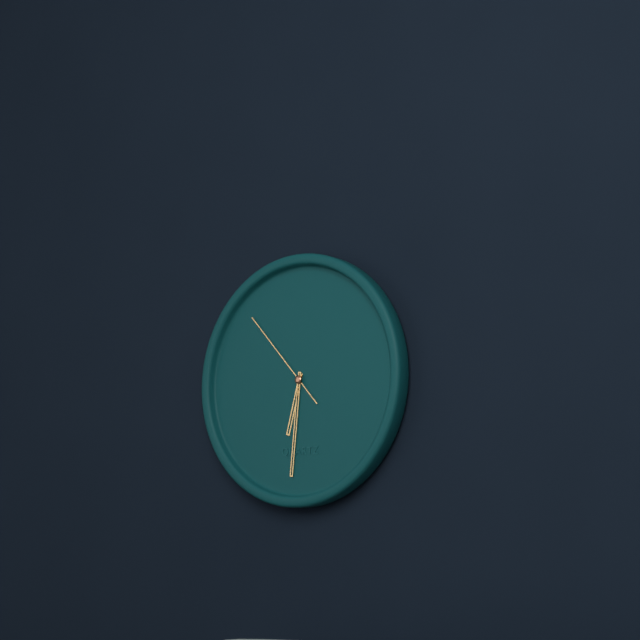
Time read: 6h31m53s
